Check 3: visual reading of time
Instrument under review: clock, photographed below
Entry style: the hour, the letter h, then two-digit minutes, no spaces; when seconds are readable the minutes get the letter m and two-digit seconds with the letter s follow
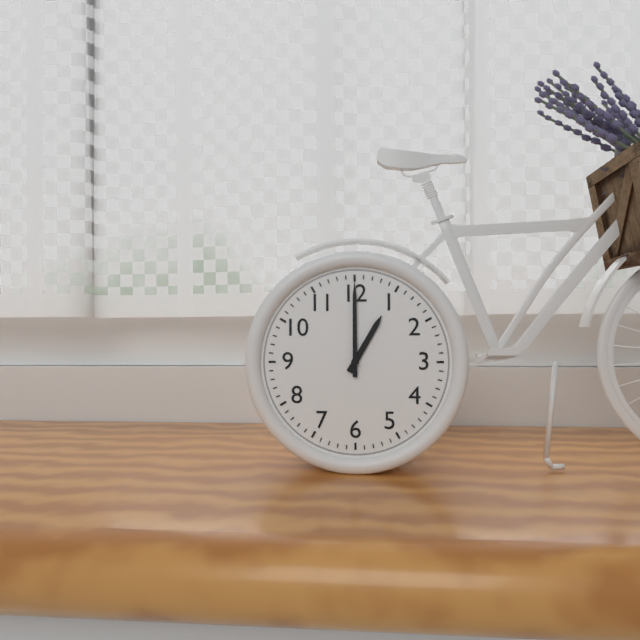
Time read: 1h00
